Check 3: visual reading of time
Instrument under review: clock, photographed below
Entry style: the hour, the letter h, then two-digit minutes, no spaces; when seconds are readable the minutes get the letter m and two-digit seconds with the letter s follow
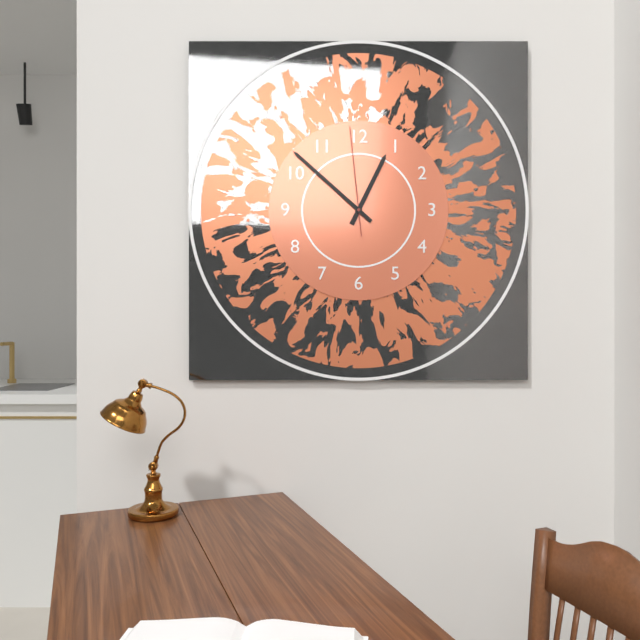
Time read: 12h52m59s
